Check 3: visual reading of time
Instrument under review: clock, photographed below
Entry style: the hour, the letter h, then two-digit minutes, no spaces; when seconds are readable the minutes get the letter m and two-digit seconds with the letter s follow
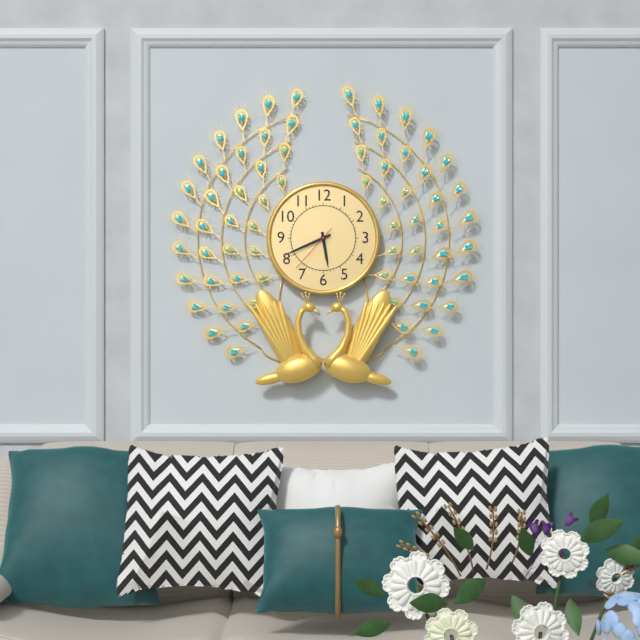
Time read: 5h41m37s
